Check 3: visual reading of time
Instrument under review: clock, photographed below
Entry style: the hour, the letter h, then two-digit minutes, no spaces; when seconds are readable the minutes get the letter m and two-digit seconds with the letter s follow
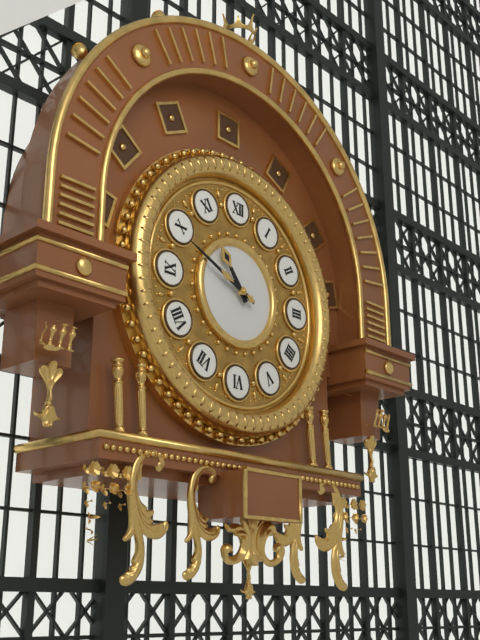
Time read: 10h49
